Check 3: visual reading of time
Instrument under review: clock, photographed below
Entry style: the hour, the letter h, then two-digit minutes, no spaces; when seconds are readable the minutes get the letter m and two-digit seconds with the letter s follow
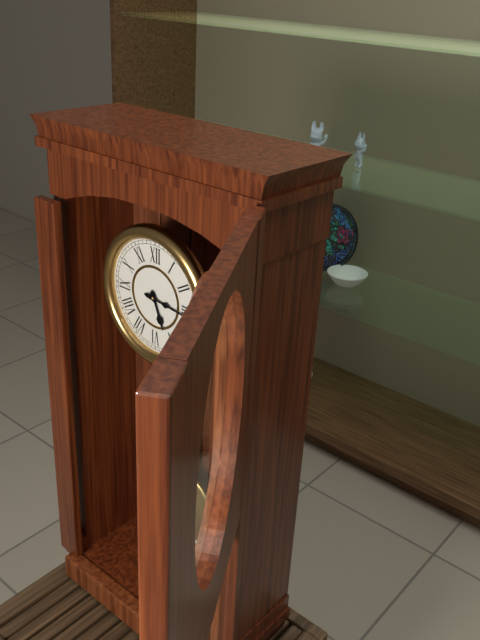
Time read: 5h16
